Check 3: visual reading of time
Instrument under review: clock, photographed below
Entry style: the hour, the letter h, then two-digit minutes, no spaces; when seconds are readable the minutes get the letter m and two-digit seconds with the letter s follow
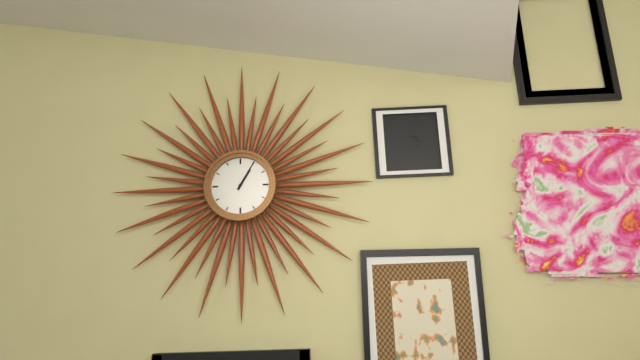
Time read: 1h05
